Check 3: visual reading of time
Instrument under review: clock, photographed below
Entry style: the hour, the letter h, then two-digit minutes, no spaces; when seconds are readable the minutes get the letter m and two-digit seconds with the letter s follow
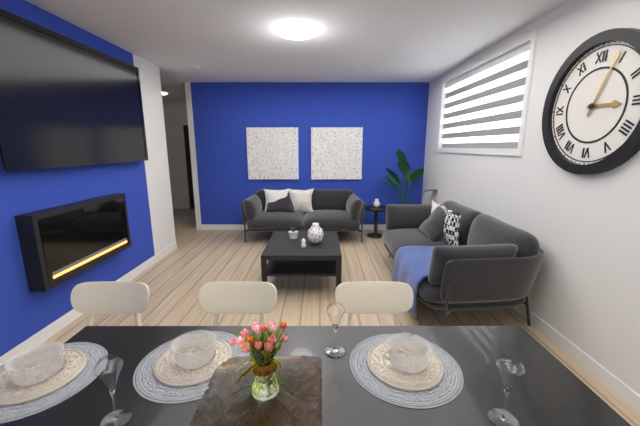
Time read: 3h04
